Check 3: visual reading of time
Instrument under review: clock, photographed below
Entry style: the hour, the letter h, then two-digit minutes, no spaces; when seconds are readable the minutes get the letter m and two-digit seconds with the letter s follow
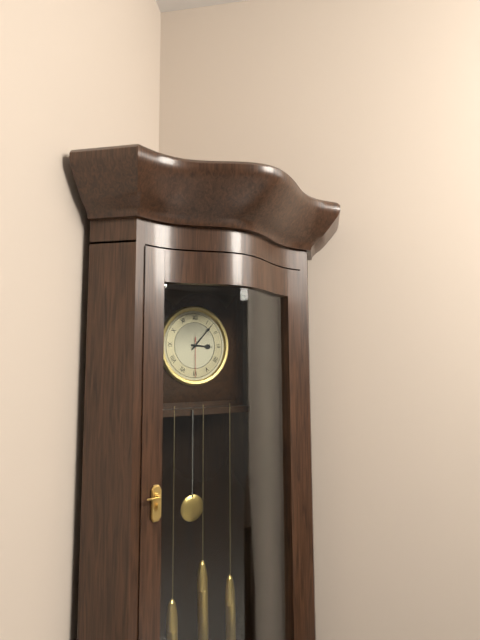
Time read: 3h07
